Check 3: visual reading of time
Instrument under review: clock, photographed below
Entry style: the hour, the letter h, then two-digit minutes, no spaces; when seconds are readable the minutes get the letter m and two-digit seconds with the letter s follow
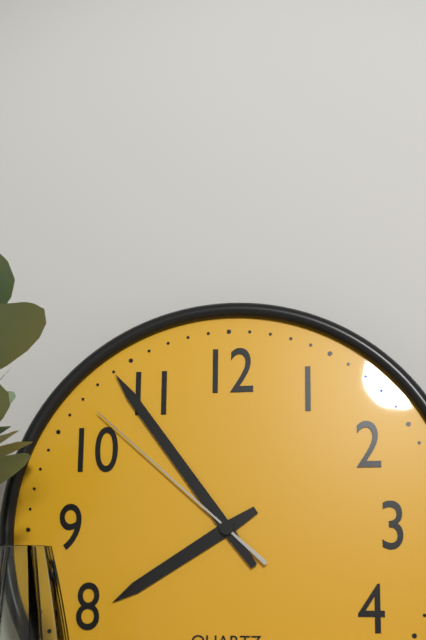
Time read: 7h54m52s
